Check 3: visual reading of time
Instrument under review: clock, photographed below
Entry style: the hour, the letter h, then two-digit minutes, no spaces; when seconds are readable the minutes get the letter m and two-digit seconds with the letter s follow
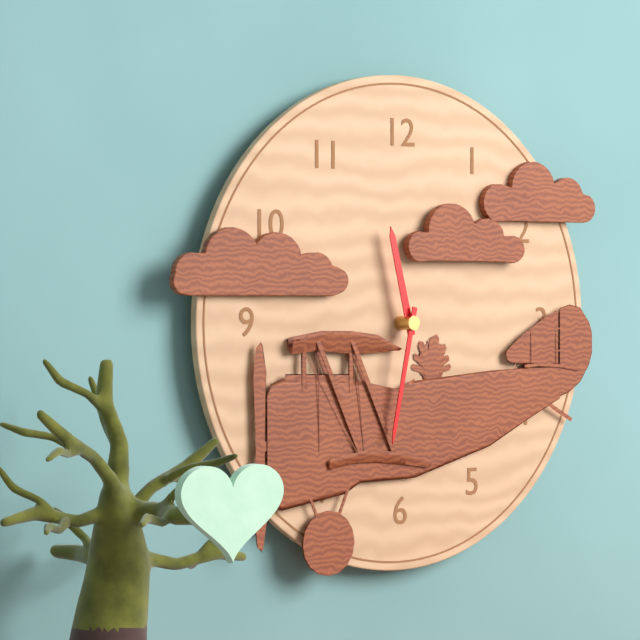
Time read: 11h32
